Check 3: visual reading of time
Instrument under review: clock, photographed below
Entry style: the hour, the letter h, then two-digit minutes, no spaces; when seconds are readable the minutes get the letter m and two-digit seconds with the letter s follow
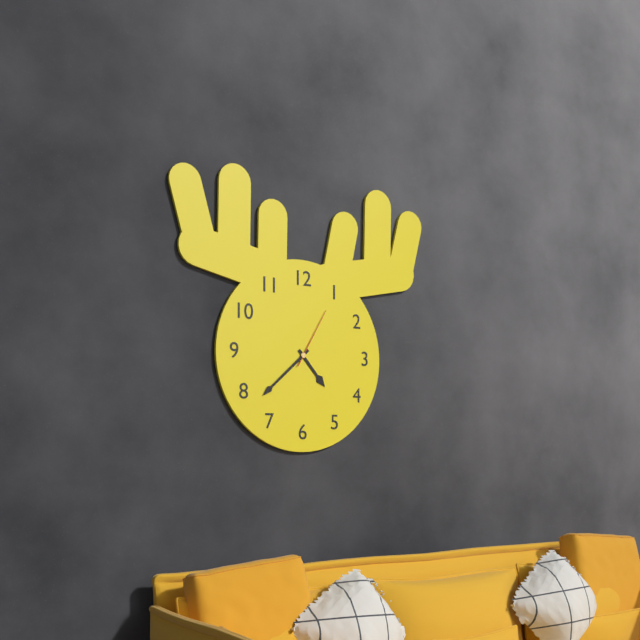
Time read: 4h38m05s
